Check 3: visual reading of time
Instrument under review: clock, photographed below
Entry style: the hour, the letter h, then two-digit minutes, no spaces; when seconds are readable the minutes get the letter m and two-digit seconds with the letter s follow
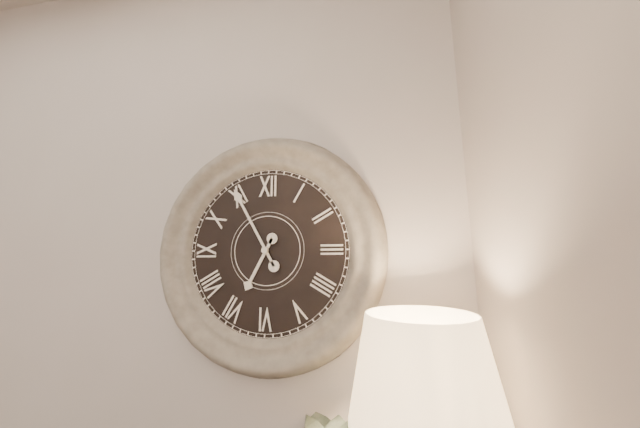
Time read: 6h55
